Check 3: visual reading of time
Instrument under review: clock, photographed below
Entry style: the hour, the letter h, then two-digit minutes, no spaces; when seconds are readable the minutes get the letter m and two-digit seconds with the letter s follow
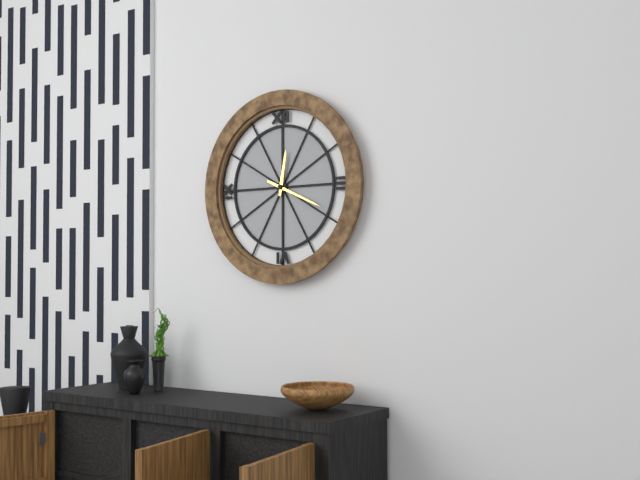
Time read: 12h19
